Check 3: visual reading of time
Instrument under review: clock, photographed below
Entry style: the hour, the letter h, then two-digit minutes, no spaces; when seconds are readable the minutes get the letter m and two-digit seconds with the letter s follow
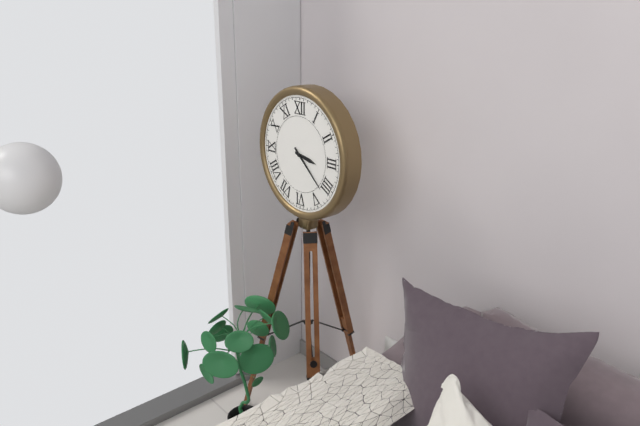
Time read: 3h22
